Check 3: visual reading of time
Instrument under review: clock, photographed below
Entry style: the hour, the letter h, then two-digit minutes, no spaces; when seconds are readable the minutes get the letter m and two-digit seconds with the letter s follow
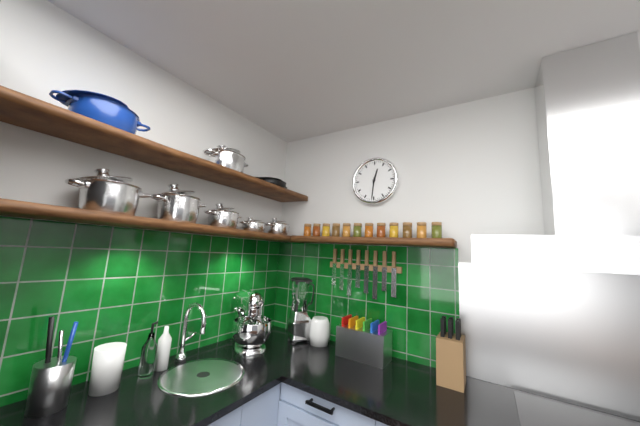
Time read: 12h31
